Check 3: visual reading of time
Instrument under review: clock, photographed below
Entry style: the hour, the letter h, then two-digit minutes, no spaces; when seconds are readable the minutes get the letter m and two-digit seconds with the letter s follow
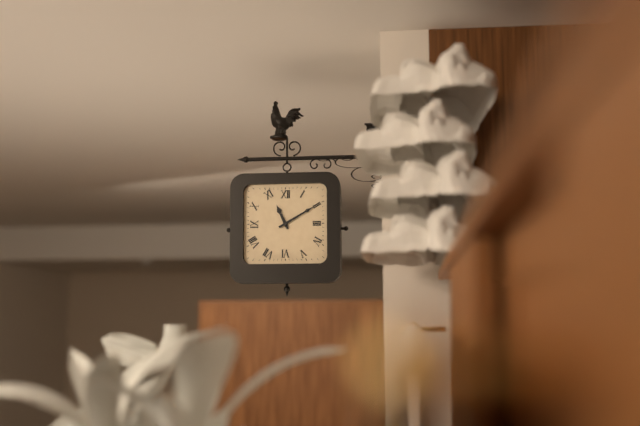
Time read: 11h10
